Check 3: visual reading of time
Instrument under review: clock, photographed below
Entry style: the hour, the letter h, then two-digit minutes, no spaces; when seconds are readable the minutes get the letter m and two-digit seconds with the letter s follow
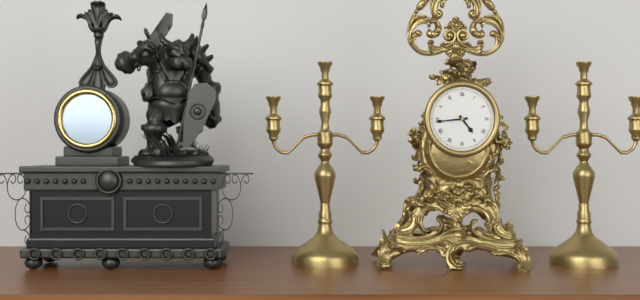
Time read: 4h44
